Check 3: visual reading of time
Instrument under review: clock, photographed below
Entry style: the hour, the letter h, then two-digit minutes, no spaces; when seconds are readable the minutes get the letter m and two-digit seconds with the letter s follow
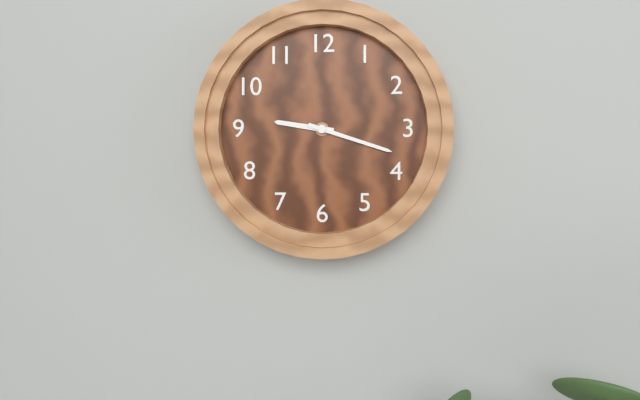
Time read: 9h18
